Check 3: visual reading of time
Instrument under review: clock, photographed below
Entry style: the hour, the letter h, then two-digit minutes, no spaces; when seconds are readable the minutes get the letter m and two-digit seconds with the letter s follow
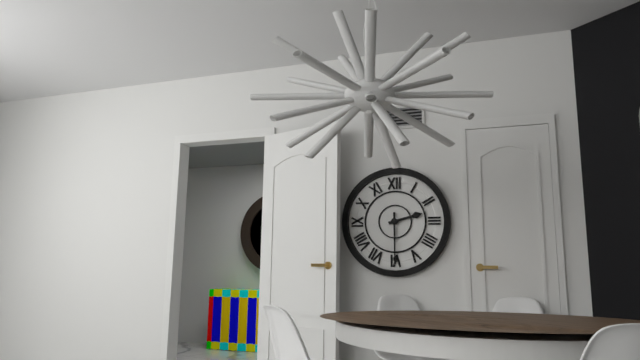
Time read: 2h30
